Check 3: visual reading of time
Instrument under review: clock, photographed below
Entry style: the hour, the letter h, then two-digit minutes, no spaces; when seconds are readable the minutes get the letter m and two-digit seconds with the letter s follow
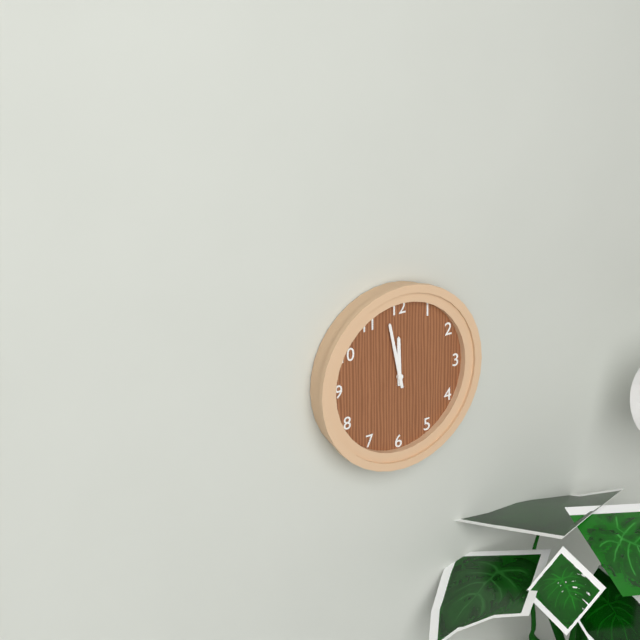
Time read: 11h58
